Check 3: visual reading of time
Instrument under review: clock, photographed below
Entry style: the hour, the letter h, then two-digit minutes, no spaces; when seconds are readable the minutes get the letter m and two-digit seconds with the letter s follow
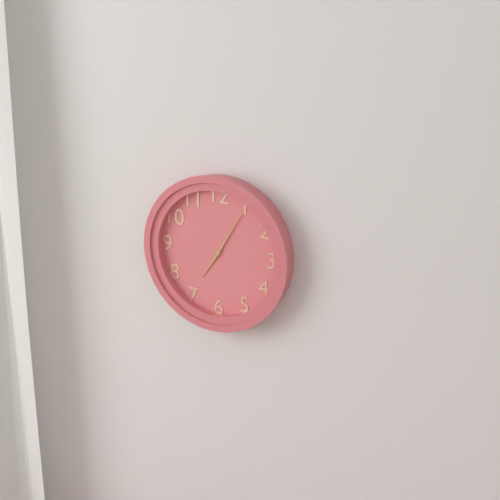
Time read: 7h05
